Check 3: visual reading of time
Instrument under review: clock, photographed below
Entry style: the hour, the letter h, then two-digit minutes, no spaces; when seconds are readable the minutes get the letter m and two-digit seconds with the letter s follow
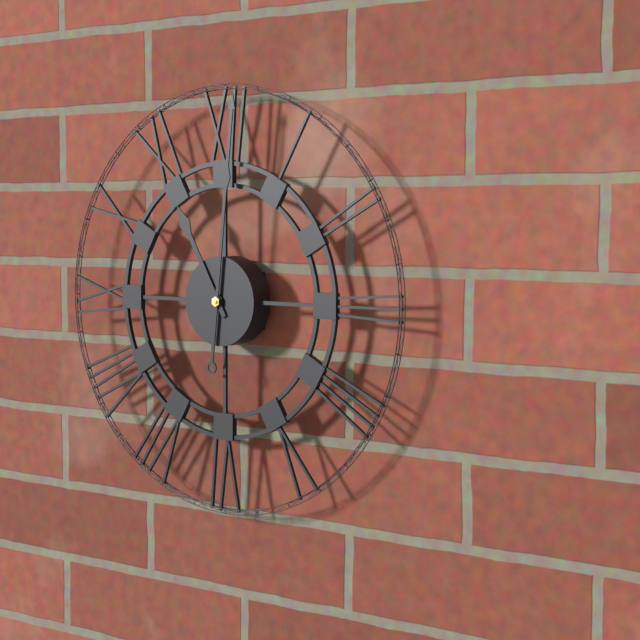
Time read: 11h01
